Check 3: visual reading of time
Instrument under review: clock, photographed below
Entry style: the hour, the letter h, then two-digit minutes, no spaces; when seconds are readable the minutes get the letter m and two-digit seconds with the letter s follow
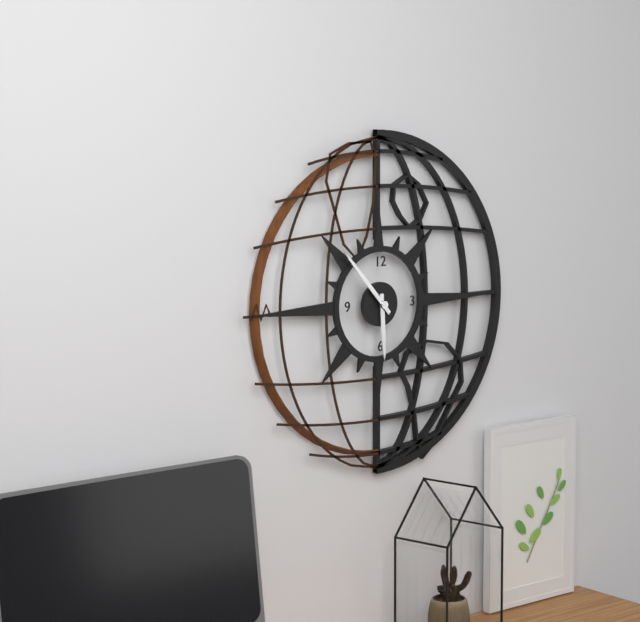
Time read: 5h53
